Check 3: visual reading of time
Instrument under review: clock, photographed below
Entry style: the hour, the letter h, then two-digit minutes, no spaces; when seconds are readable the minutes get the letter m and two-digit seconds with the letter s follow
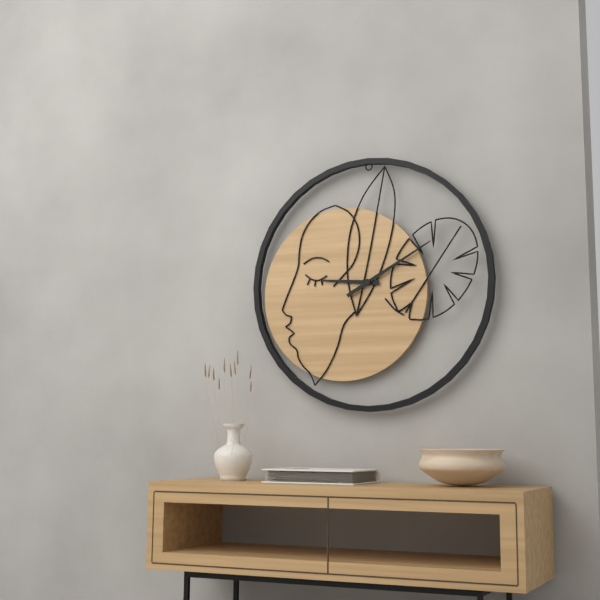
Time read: 9h10
